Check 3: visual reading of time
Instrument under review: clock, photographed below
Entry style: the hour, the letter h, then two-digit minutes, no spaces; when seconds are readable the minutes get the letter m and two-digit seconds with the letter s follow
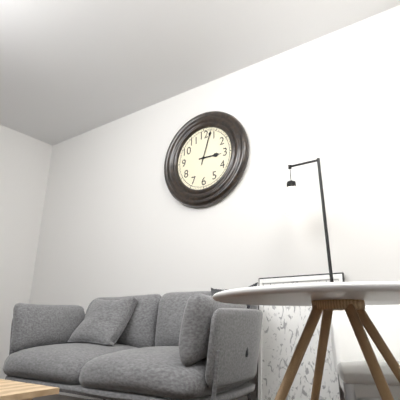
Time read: 3h03
